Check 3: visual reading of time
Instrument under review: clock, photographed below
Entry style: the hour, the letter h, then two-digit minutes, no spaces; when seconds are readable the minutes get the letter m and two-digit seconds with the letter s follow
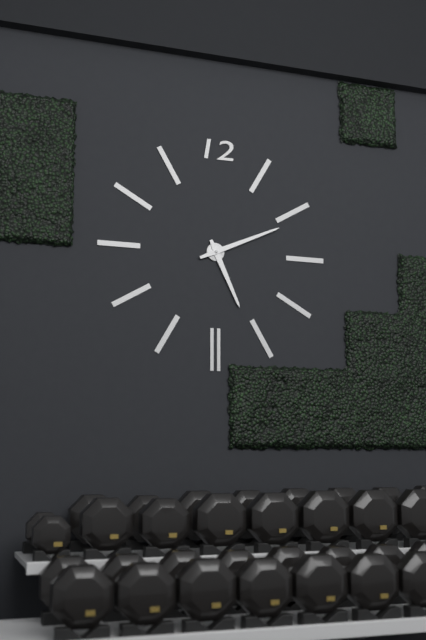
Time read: 5h11
